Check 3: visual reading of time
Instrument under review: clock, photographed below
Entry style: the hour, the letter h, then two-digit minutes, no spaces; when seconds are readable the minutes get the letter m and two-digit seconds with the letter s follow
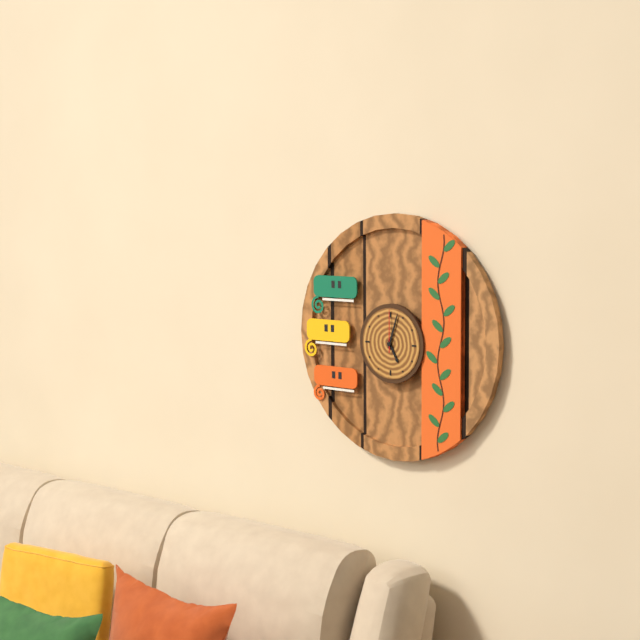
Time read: 5h03
